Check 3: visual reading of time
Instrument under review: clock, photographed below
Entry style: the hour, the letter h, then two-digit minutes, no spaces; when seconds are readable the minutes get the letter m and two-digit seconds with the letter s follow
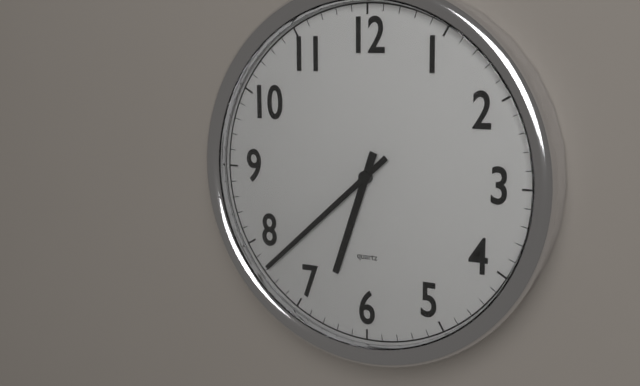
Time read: 6h38
